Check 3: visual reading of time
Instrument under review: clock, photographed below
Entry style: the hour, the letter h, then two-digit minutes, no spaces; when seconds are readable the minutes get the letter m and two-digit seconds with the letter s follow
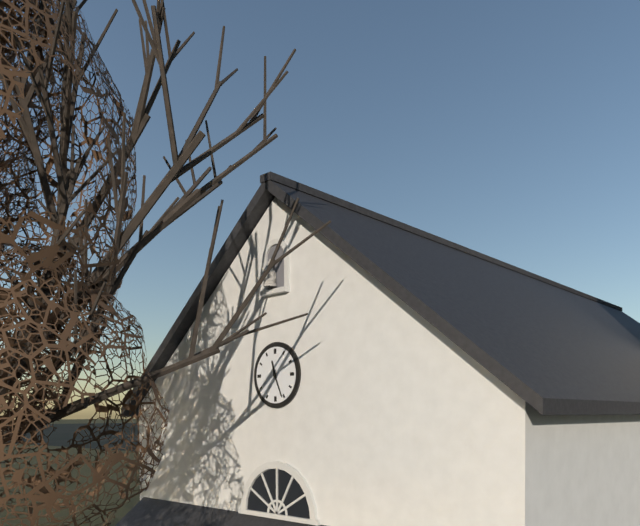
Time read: 11h26
